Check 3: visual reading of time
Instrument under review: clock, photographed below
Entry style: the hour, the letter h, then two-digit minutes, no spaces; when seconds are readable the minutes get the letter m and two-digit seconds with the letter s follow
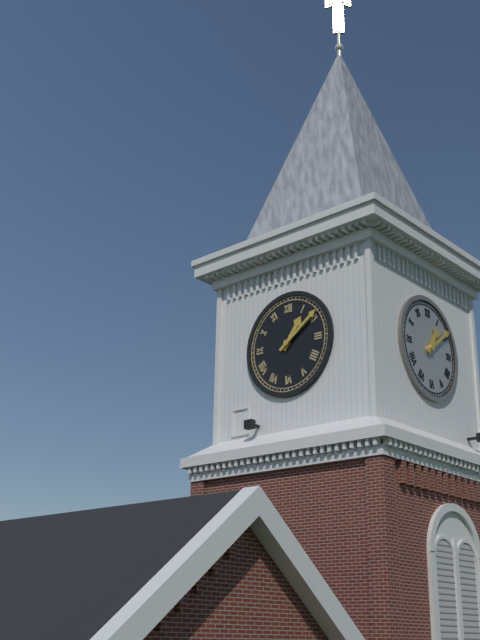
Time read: 1h09
